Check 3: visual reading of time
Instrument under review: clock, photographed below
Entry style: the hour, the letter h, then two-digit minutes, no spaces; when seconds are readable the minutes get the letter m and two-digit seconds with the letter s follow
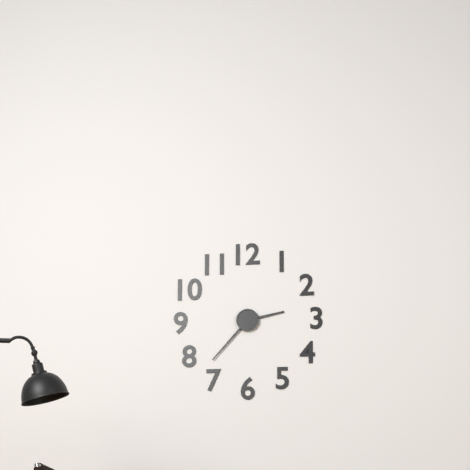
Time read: 2h37
